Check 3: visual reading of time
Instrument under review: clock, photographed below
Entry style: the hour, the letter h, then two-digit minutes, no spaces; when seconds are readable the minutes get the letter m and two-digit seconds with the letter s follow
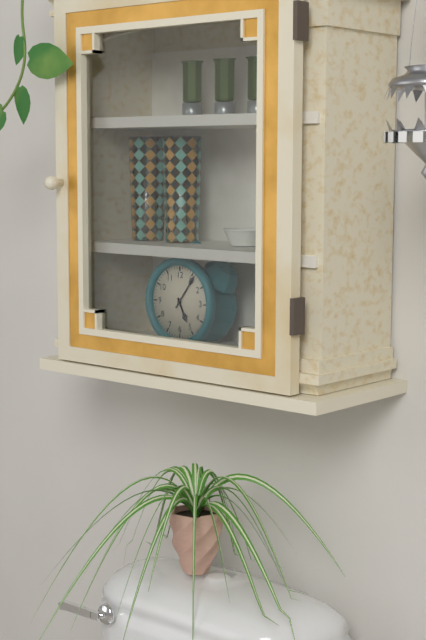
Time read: 5h06
